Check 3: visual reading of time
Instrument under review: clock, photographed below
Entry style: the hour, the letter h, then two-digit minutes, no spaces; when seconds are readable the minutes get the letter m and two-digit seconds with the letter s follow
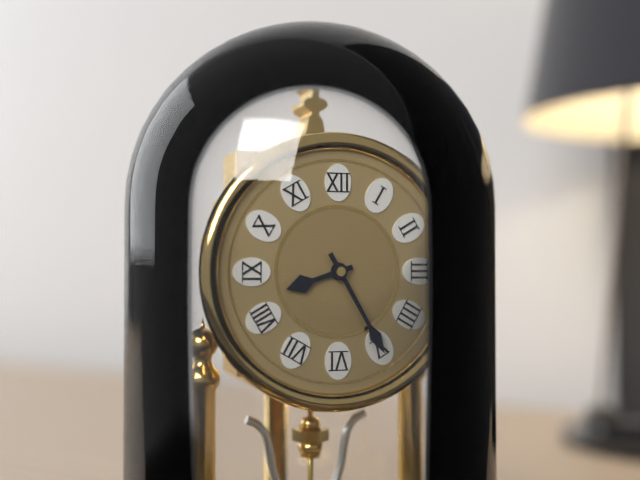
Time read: 8h25
